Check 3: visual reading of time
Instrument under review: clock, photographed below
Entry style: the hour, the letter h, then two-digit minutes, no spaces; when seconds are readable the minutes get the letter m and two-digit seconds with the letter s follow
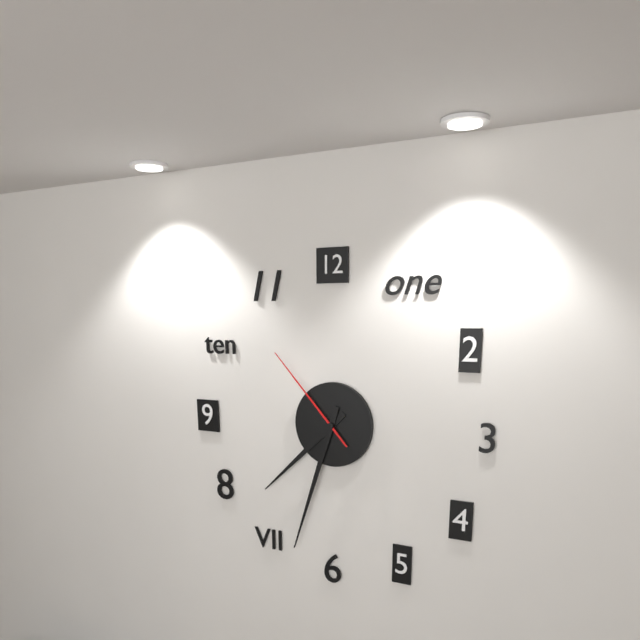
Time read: 7h33m53s
